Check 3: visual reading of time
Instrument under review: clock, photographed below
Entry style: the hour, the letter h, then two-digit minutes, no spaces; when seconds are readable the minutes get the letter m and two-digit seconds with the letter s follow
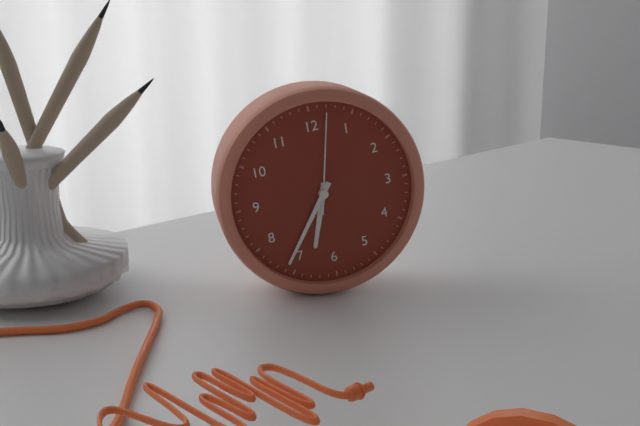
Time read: 6h36m02s
